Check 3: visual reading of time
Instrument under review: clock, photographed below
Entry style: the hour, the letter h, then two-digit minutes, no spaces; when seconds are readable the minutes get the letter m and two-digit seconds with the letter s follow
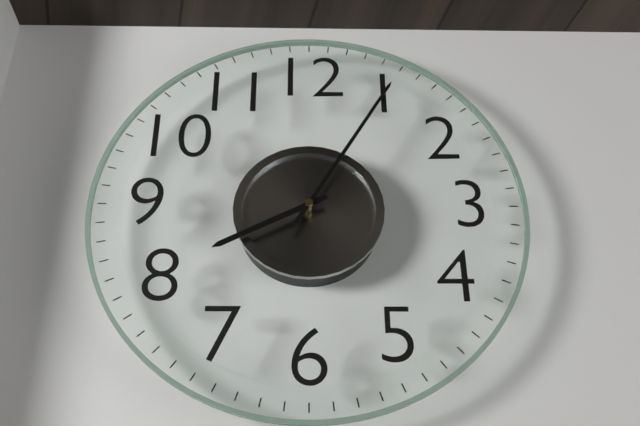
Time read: 8h05
